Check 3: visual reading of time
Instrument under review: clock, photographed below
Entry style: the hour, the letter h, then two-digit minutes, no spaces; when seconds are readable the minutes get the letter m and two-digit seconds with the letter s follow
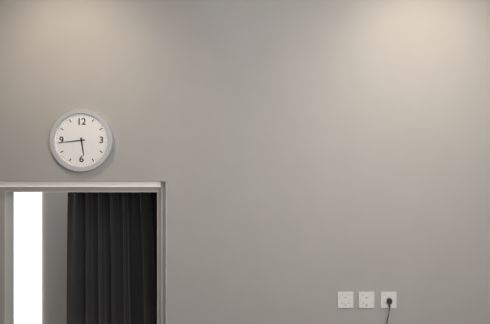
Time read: 5h44
